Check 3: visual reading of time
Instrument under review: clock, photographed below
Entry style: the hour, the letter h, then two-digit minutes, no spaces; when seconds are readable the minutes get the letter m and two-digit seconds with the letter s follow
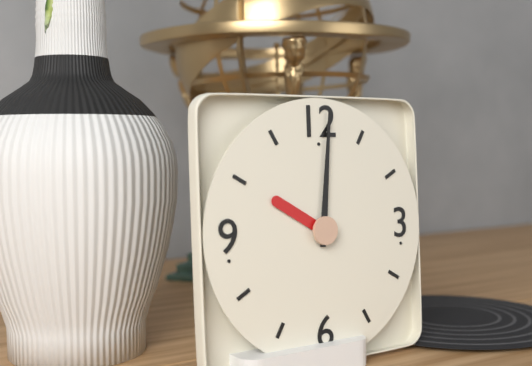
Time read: 10h01
